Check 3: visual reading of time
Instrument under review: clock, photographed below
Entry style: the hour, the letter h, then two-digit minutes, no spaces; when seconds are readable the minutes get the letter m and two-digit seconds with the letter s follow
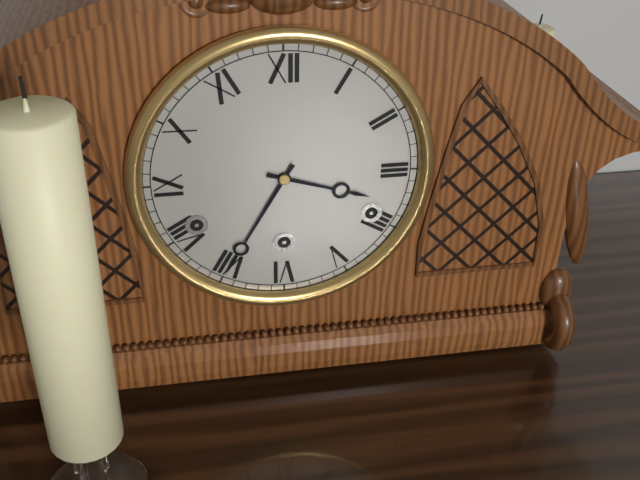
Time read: 3h35
